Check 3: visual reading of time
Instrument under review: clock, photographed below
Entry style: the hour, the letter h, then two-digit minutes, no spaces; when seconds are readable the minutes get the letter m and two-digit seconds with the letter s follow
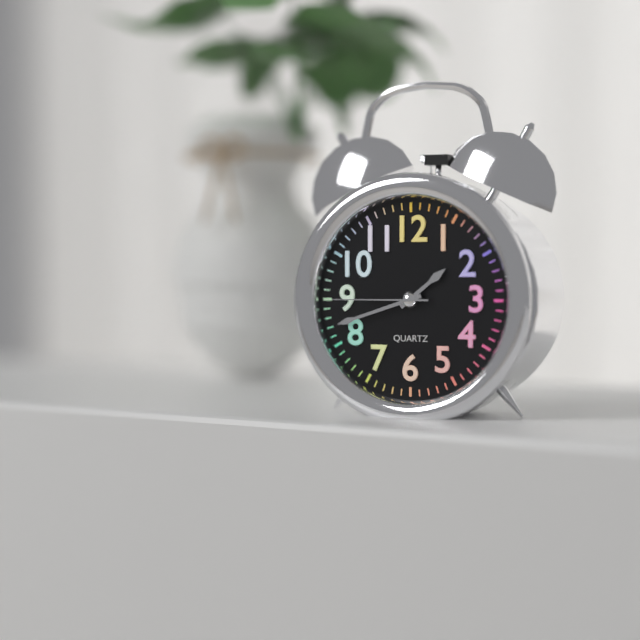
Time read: 1h42m45s
